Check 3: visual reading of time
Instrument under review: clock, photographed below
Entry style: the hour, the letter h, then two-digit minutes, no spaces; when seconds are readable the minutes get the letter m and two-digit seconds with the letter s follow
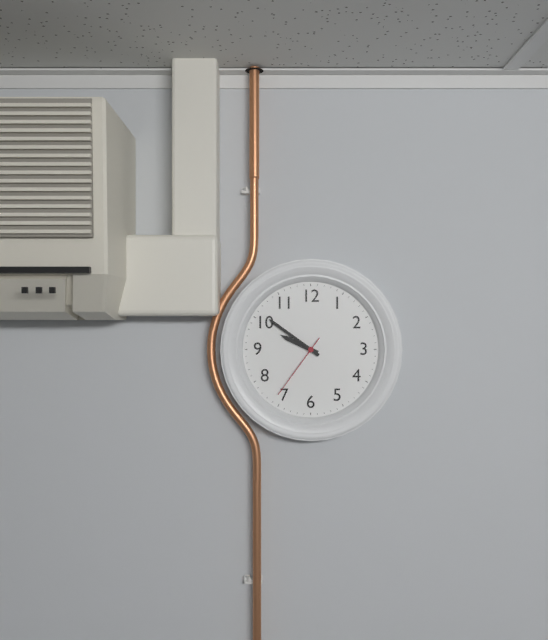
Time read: 9h51m36s
